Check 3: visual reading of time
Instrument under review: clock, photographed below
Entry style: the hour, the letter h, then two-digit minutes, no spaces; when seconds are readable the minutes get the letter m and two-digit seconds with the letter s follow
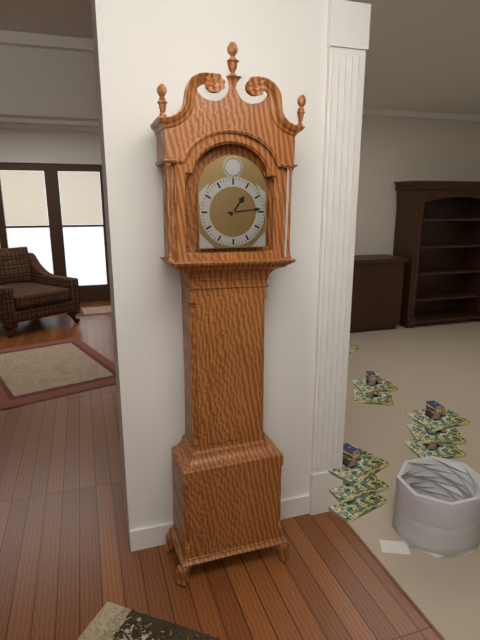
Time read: 1h14
